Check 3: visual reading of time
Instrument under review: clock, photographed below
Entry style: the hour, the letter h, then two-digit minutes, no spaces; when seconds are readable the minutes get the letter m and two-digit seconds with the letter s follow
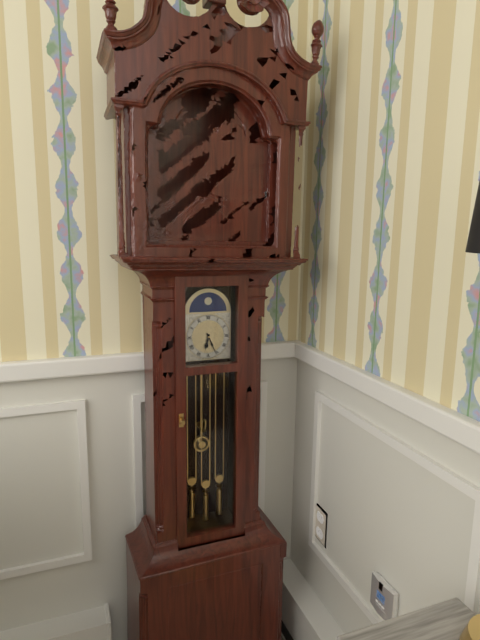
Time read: 6h26
